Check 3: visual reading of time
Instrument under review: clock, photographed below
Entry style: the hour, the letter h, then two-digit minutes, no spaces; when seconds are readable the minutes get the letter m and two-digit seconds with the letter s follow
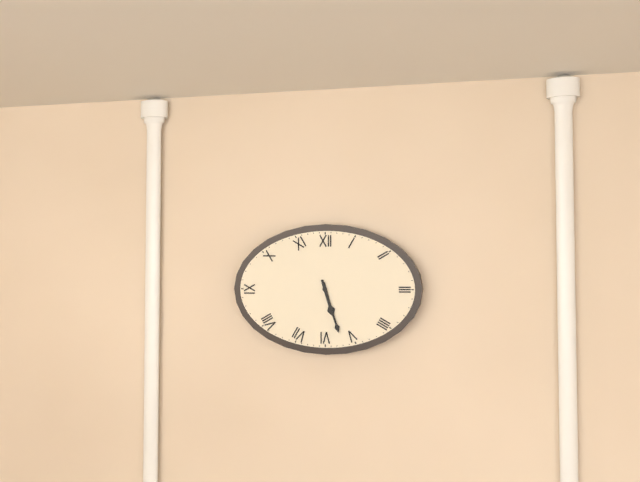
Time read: 5h27
